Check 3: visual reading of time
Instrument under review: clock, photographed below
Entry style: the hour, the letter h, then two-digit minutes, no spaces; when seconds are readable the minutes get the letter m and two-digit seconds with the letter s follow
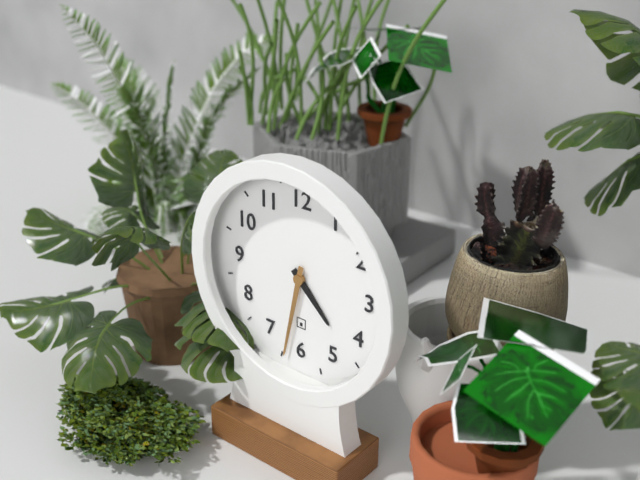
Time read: 4h32
